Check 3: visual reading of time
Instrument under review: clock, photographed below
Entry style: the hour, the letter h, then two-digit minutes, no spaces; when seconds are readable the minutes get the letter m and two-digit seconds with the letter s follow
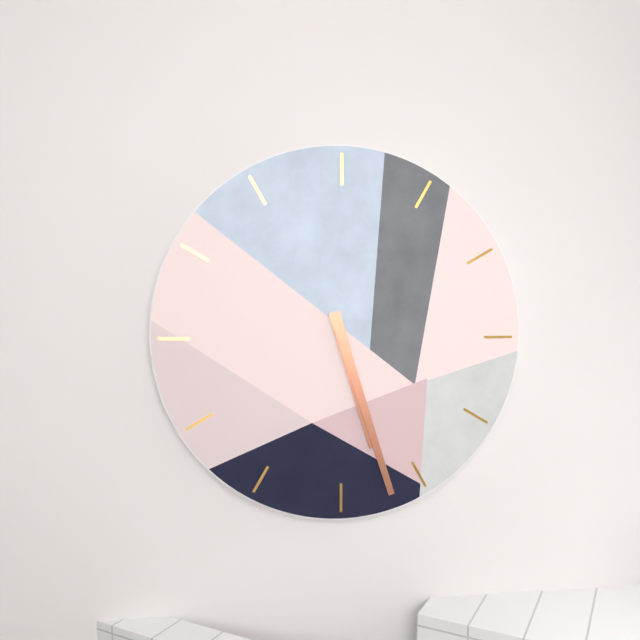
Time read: 5h27
